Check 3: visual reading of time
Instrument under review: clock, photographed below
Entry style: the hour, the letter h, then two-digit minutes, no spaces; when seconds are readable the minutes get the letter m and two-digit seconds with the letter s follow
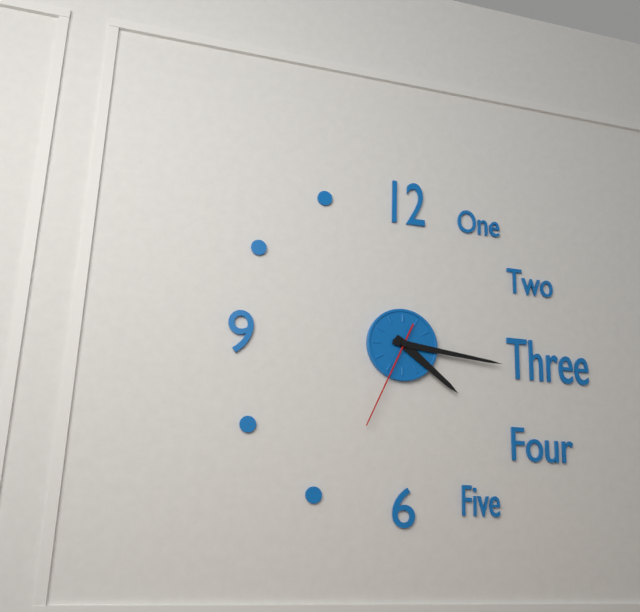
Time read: 4h16m34s
